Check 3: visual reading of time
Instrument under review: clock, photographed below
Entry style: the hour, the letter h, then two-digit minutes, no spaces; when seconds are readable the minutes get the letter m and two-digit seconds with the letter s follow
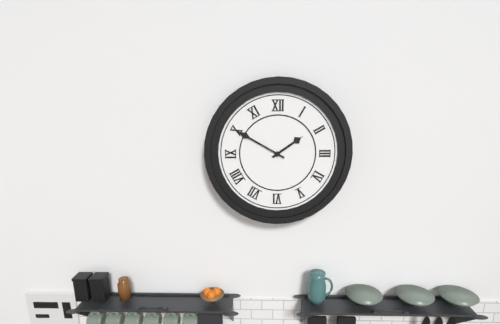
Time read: 1h50
